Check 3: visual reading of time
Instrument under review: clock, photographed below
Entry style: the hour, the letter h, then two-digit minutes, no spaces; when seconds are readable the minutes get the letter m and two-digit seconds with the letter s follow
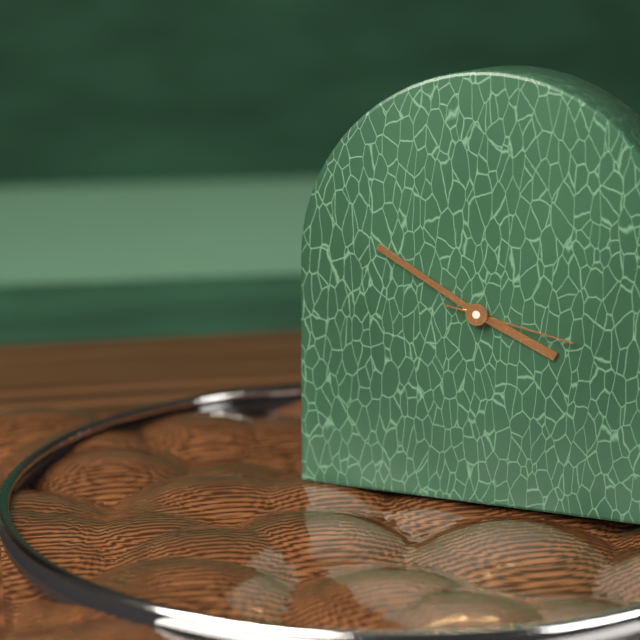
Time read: 3h50m17s
